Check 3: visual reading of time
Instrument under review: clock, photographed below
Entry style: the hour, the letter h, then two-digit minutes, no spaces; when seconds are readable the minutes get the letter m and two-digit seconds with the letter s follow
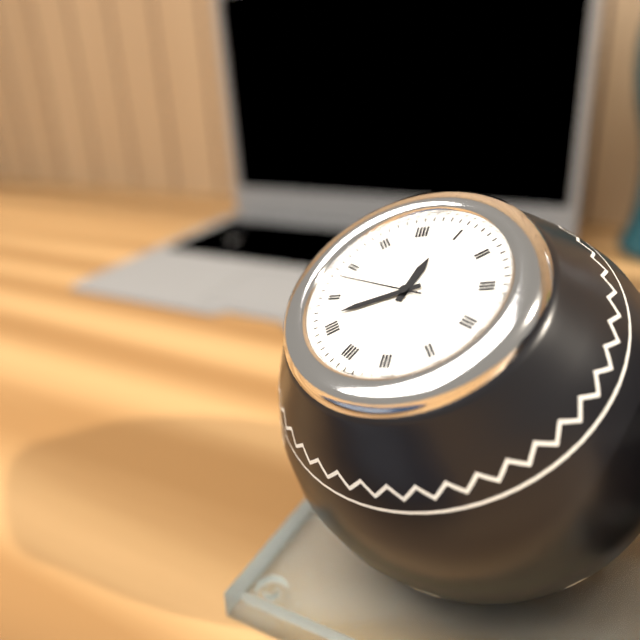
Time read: 12h42m48s
